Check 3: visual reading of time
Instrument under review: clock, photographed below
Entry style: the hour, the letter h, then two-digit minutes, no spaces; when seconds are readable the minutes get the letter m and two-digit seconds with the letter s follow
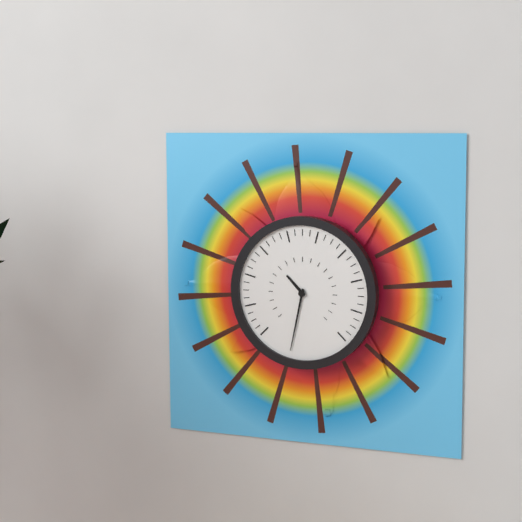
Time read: 10h32
